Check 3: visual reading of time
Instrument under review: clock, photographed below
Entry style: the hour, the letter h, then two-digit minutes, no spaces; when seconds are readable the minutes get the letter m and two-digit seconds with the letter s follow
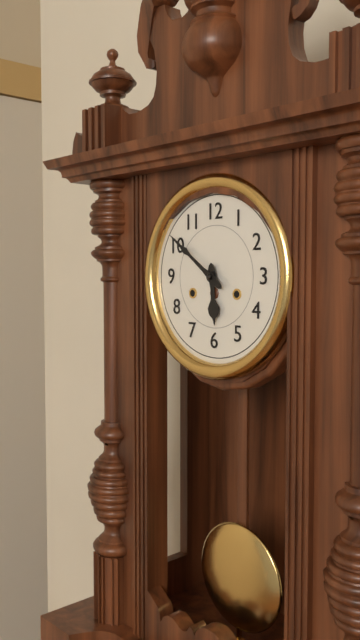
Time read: 5h51
